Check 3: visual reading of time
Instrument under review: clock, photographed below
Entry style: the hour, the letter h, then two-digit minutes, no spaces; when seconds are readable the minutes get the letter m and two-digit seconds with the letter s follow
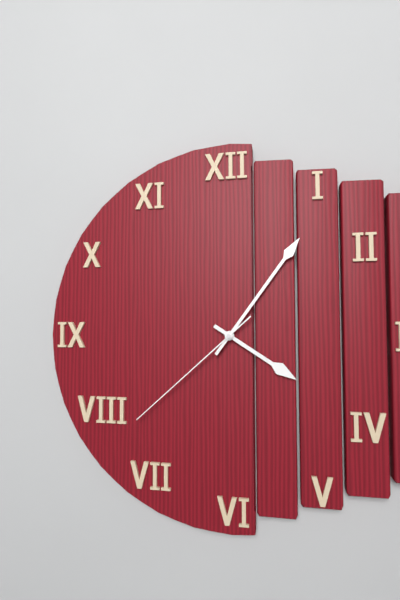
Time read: 4h06m38s
